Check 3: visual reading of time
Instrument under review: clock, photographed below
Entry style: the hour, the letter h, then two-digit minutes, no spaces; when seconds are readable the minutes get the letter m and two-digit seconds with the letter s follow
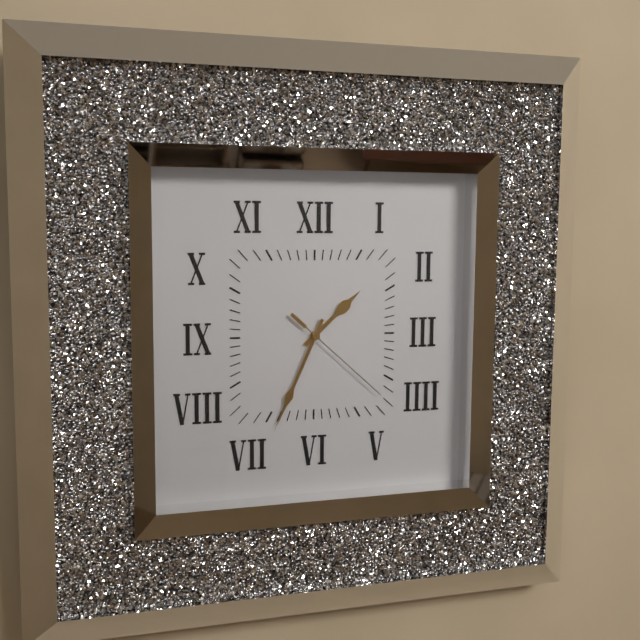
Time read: 1h34m22s
